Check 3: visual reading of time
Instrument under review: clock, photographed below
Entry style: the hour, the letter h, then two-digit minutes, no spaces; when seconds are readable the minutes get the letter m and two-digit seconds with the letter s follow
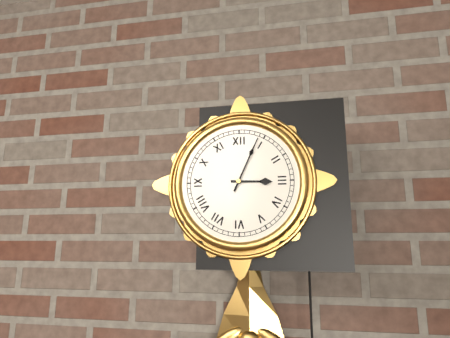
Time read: 3h04
